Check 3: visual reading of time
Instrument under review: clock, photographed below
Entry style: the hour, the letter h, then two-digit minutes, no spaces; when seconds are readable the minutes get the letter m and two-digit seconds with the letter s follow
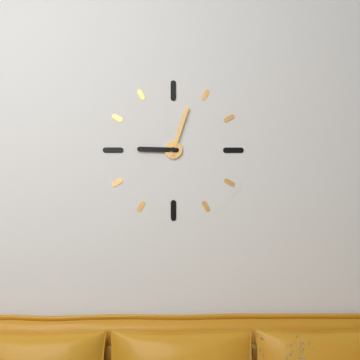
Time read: 9h03
